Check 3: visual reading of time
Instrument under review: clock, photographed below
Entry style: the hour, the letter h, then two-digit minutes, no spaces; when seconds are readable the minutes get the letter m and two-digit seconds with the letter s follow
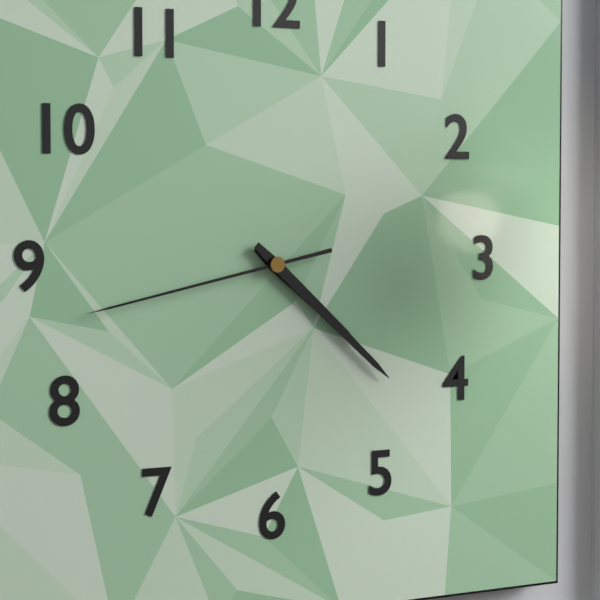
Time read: 4h22m43s
